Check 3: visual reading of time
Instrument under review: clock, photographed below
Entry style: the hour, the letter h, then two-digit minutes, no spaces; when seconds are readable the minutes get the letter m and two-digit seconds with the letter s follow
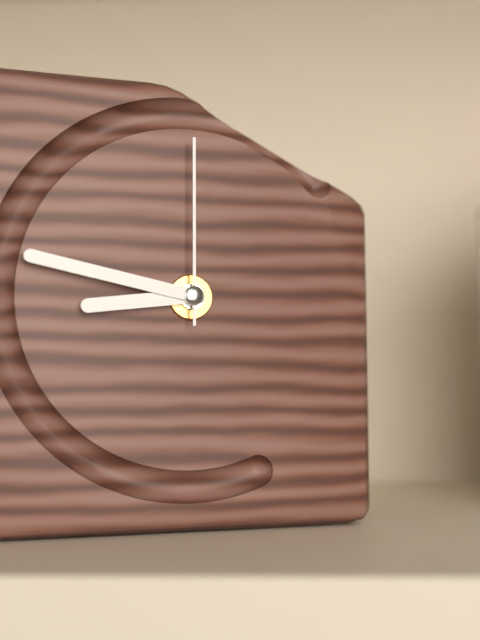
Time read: 8h47m00s
